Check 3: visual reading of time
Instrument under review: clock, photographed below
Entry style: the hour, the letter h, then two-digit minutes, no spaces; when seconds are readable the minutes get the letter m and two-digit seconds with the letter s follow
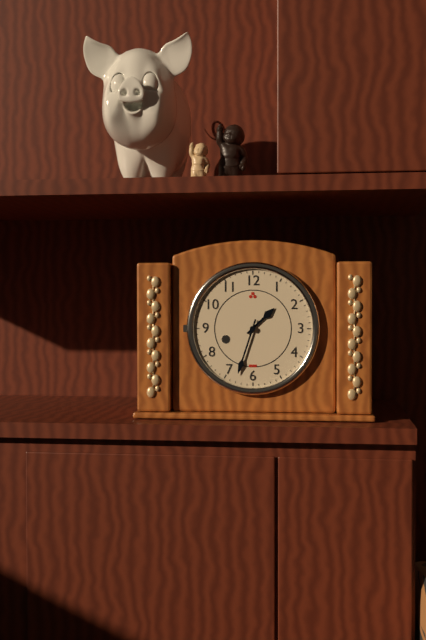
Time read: 1h33
